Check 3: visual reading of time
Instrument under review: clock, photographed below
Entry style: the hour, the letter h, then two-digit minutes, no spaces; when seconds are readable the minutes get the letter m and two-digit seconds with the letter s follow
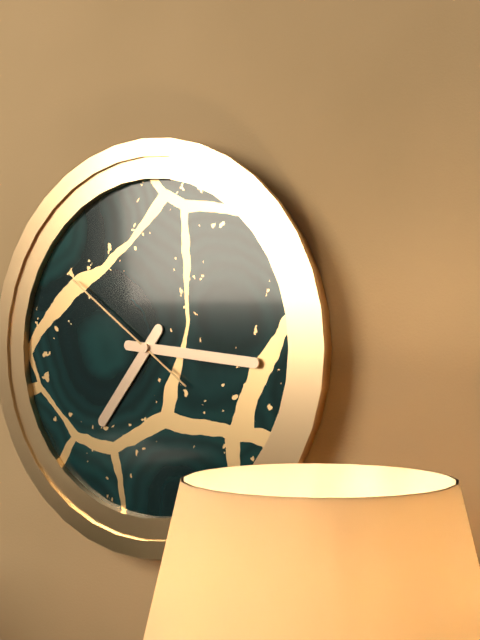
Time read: 7h16m51s
